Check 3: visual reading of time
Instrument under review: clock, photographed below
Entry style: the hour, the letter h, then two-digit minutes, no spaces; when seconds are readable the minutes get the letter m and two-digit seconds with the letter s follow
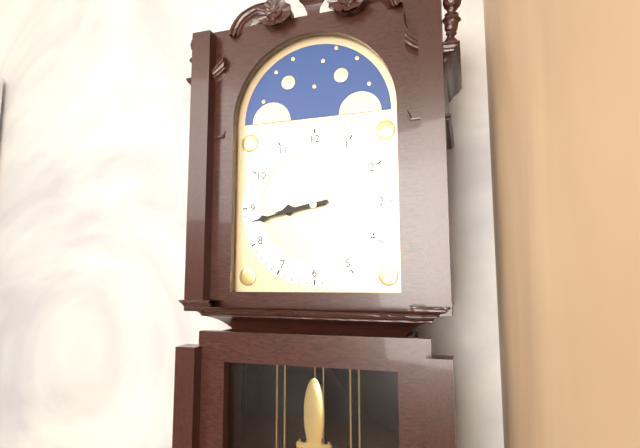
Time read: 8h43
